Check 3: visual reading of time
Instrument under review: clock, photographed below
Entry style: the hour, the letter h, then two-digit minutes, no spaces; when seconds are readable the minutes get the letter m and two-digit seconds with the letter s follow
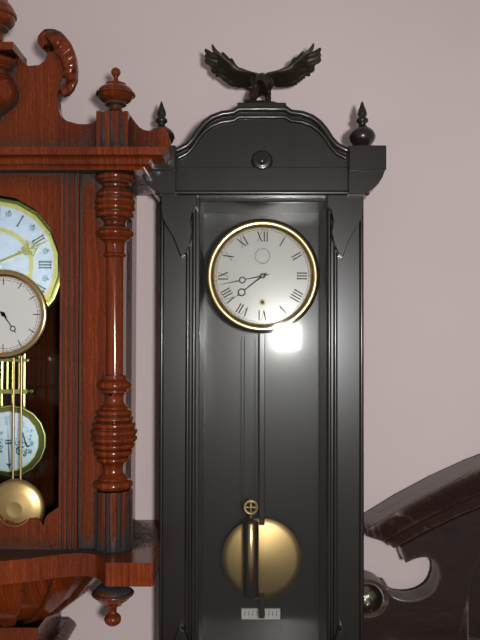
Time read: 7h43
